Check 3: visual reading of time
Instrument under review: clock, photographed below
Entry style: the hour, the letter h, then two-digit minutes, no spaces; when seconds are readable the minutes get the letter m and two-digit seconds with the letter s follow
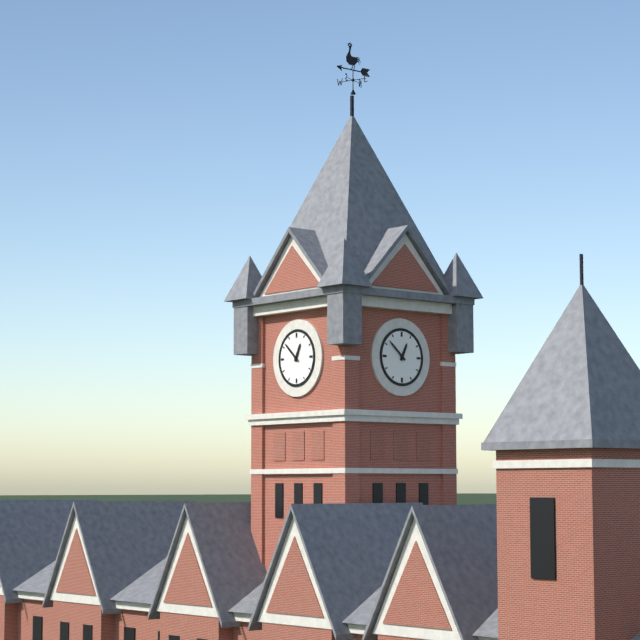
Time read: 12h52
